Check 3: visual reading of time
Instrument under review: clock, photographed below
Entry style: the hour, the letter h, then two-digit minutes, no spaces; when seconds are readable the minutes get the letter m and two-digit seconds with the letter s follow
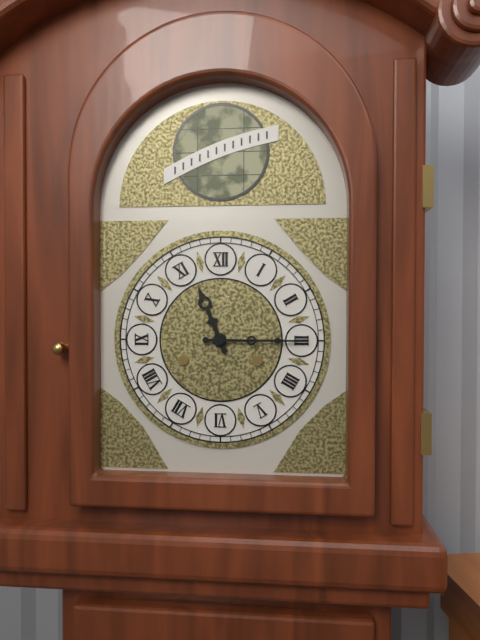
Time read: 11h15
